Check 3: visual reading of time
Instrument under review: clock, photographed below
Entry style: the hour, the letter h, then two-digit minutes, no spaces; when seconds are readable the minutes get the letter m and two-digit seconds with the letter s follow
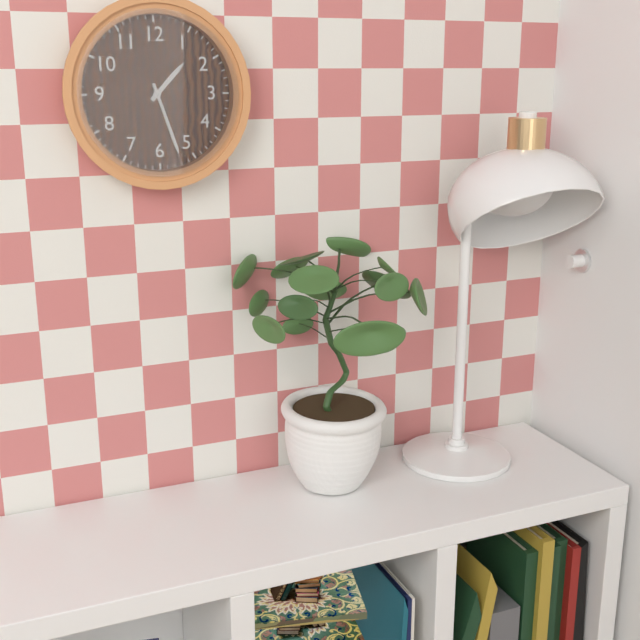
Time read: 1h27
